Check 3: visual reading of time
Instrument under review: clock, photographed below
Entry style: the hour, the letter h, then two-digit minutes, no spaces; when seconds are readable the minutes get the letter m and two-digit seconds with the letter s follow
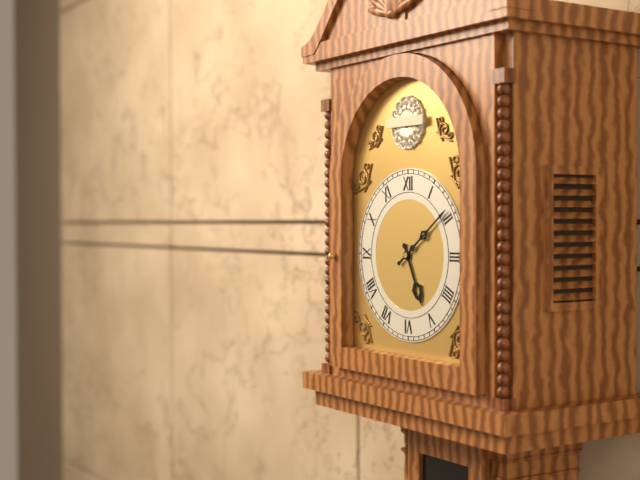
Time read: 5h09
